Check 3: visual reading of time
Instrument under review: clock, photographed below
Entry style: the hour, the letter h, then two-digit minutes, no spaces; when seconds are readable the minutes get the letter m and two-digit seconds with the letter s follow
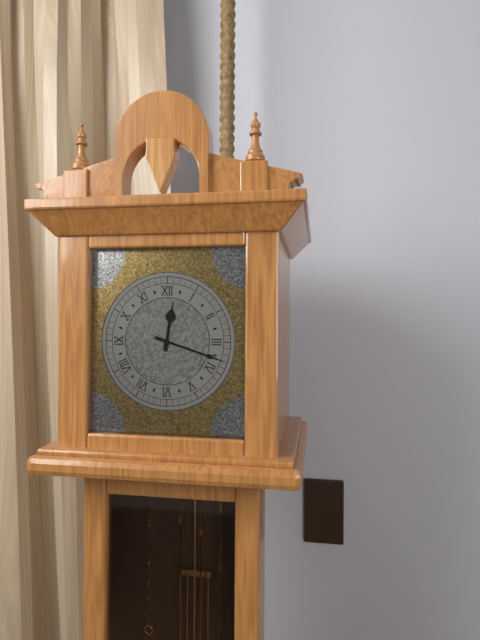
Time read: 12h18
